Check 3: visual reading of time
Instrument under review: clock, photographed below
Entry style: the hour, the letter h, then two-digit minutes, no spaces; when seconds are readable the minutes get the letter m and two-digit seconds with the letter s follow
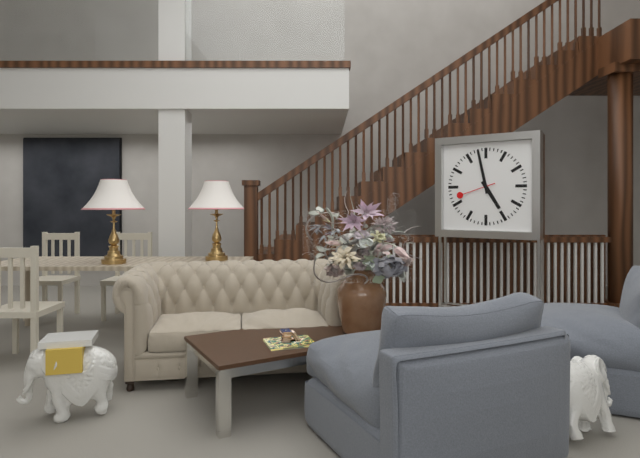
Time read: 4h58
